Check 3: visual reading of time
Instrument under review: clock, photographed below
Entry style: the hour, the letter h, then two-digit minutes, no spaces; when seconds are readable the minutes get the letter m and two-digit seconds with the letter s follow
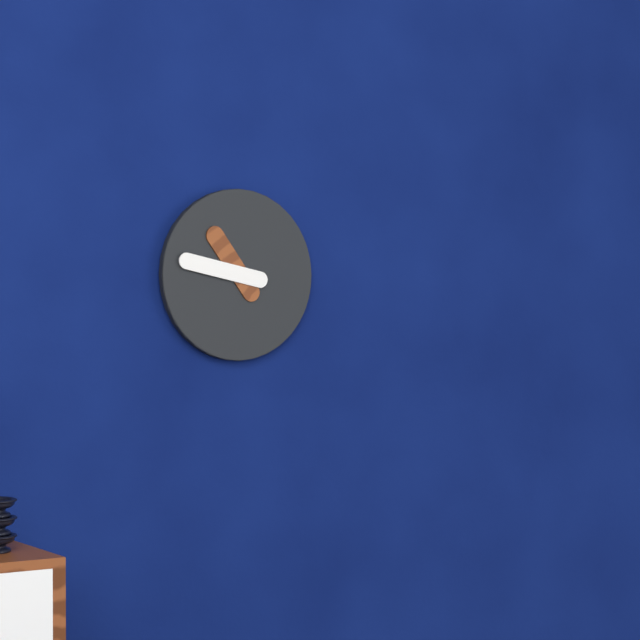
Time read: 10h47
